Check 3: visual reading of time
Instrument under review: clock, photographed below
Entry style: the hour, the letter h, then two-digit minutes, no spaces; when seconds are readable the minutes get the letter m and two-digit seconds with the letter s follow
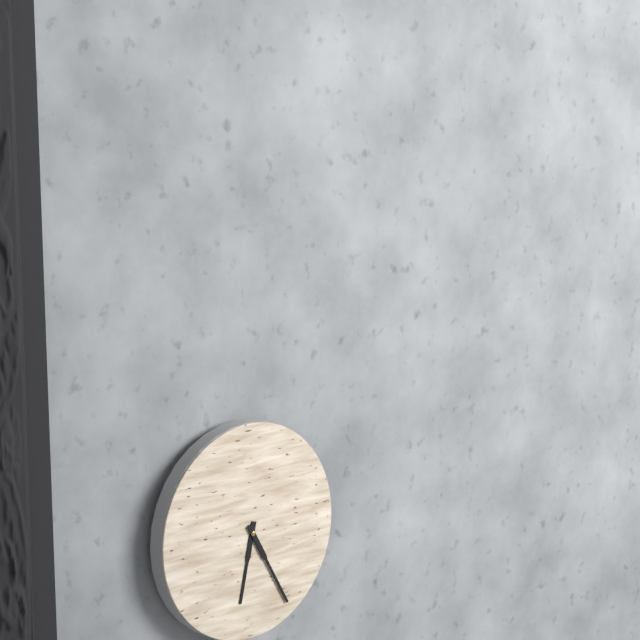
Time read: 6h25
